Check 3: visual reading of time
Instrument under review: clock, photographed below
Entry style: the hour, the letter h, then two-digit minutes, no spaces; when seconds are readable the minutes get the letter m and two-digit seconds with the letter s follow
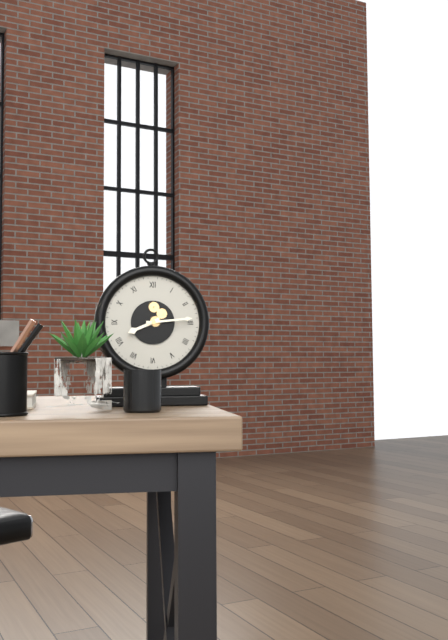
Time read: 8h14
